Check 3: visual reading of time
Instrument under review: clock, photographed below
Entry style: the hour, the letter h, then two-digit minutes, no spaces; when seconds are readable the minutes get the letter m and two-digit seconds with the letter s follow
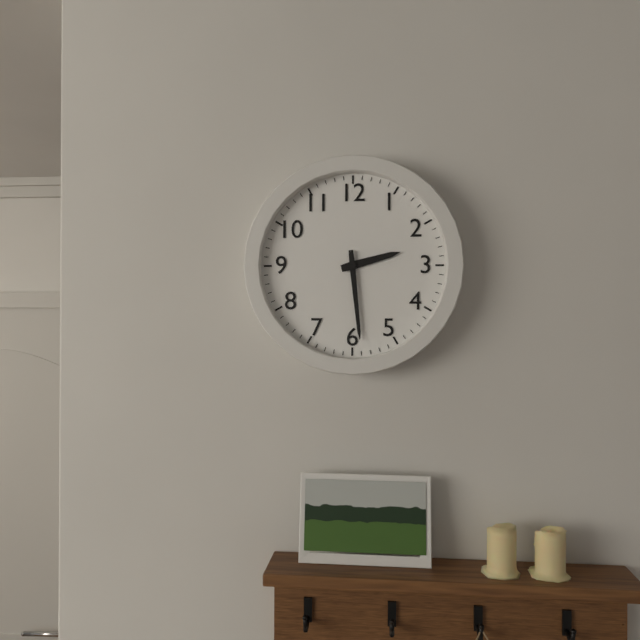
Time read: 2h29
